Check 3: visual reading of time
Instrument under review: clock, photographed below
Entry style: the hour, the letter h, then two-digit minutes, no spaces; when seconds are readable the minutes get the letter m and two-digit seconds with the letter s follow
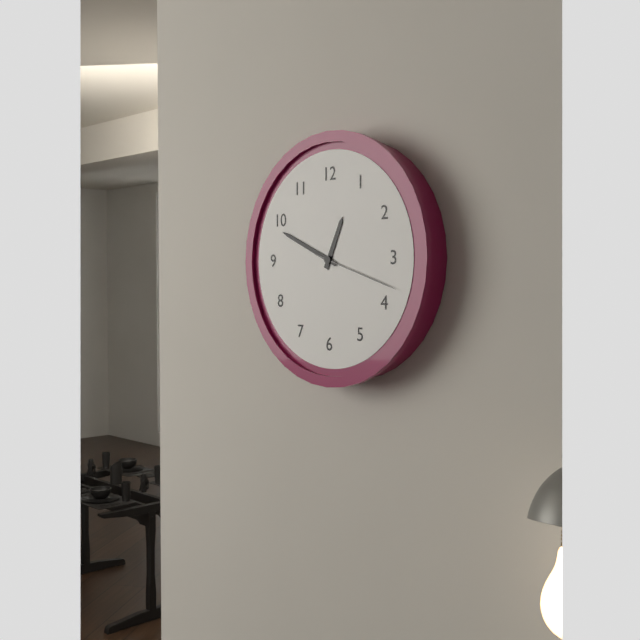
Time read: 12h49m18s
